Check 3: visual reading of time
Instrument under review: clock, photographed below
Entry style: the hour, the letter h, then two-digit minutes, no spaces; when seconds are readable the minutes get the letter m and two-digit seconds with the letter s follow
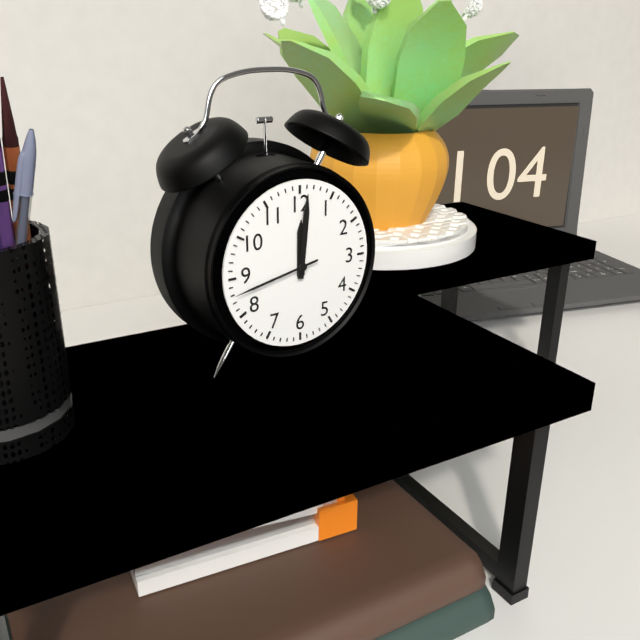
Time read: 12h01m43s
